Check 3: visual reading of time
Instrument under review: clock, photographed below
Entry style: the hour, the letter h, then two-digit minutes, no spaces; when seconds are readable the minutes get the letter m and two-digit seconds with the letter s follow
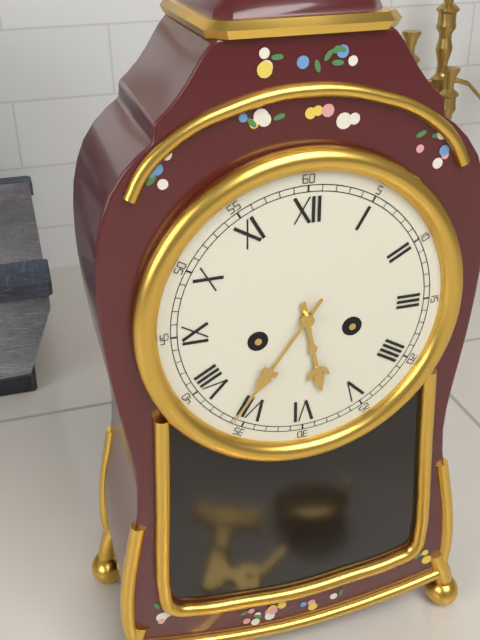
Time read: 5h36
